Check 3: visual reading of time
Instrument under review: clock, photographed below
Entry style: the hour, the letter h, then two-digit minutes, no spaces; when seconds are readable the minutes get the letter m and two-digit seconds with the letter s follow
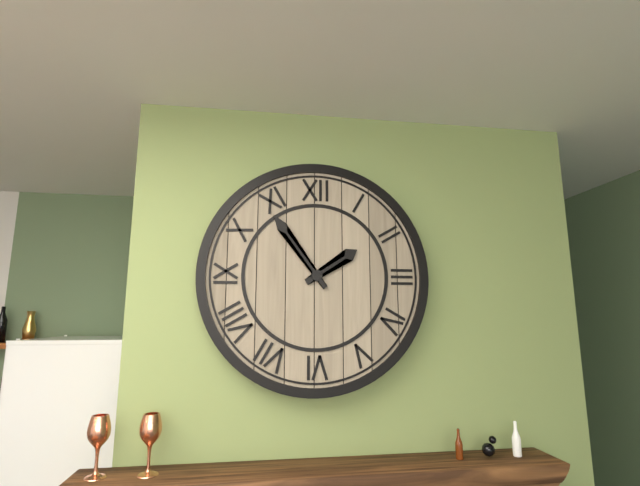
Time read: 1h54
